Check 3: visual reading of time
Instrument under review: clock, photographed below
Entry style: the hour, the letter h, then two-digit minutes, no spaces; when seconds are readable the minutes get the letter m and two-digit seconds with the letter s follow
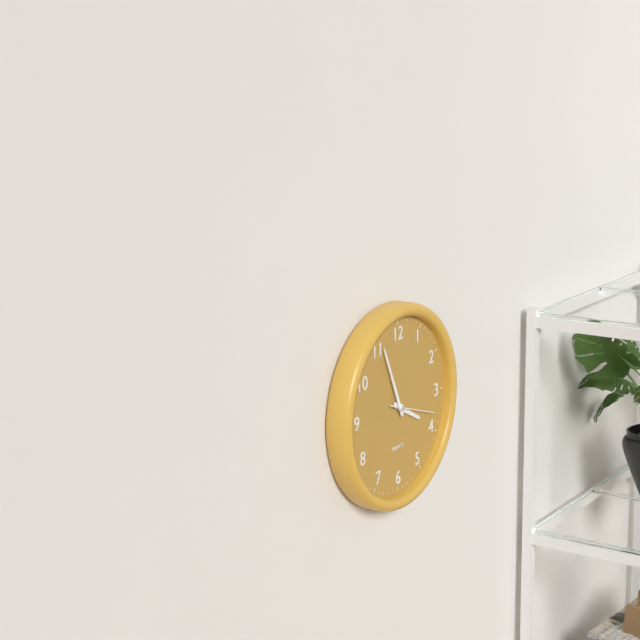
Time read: 3h56
